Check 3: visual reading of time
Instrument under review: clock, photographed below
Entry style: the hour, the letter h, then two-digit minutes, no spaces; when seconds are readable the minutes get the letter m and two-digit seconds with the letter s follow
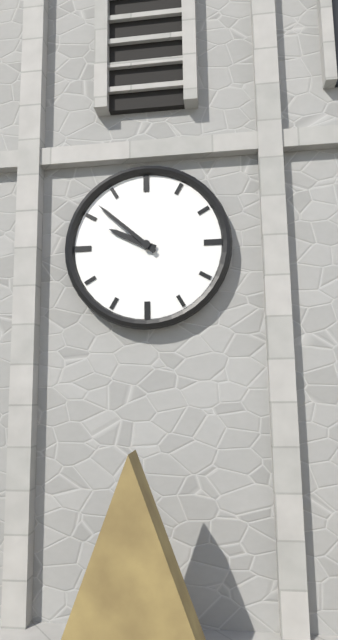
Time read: 9h52
